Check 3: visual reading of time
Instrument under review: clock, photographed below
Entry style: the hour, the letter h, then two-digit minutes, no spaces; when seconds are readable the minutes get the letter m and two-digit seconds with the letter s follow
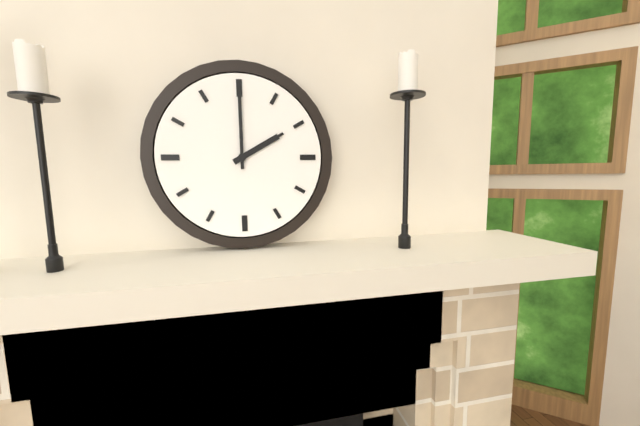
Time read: 2h00
